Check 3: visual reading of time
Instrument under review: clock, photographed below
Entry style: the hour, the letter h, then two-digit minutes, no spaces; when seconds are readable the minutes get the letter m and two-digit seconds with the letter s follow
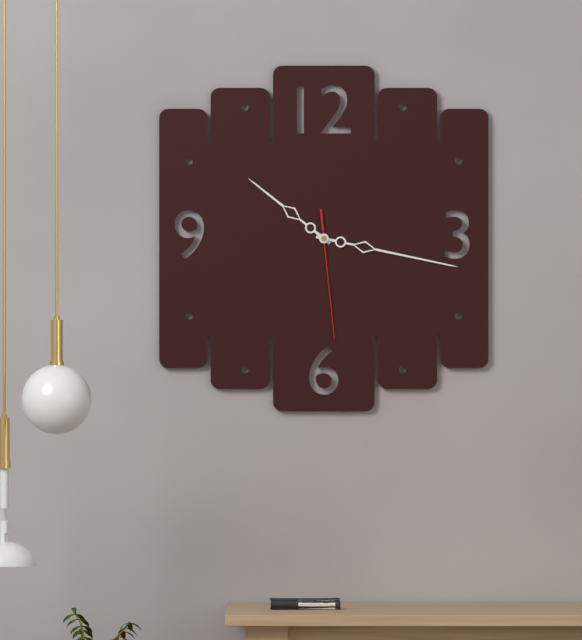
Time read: 10h17m29s
